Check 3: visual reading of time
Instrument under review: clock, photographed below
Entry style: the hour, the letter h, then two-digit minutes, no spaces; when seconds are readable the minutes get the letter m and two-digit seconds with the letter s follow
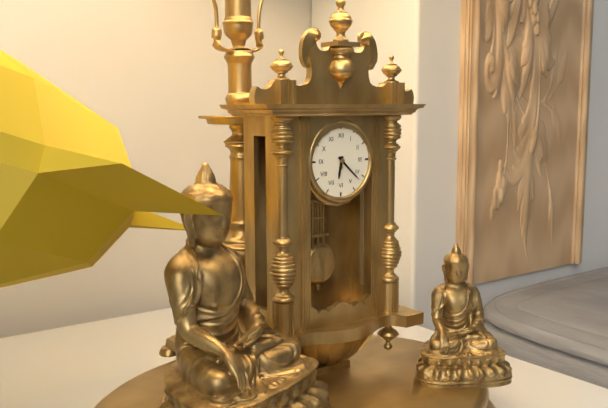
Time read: 6h22
